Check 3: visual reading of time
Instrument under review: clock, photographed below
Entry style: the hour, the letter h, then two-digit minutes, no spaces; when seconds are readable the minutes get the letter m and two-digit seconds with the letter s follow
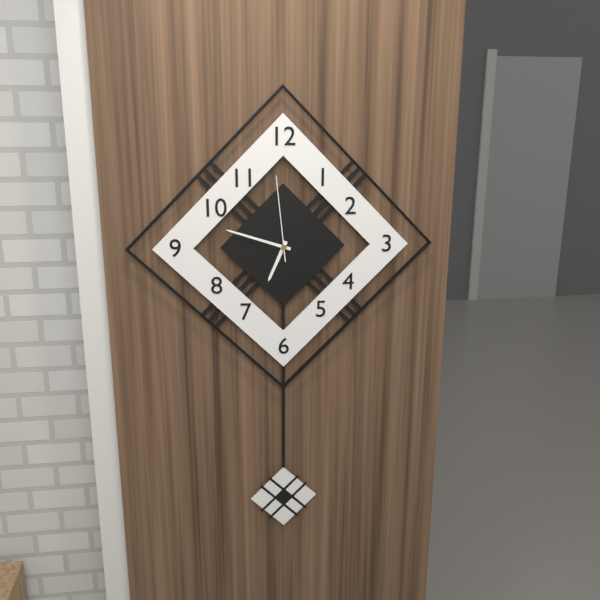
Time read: 6h48m59s
